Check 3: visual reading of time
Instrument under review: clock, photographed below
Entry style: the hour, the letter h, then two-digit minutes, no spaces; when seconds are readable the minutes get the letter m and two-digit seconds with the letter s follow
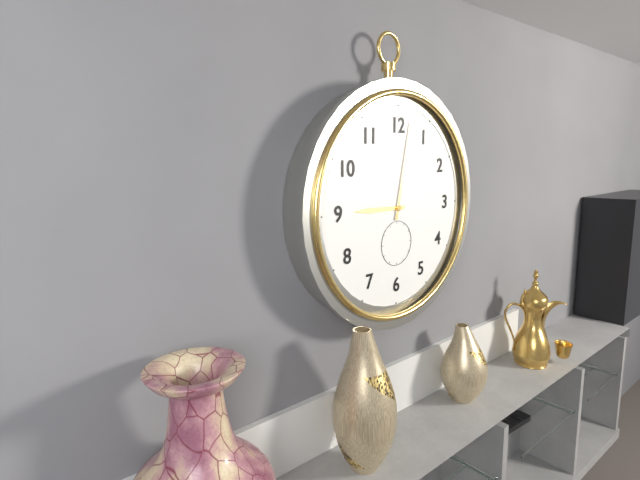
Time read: 9h02
